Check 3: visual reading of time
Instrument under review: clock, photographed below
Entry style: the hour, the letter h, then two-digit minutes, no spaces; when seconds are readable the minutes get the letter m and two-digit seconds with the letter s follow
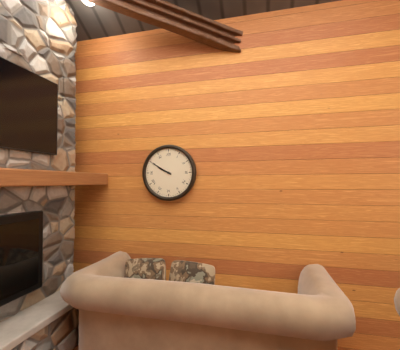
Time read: 9h50
